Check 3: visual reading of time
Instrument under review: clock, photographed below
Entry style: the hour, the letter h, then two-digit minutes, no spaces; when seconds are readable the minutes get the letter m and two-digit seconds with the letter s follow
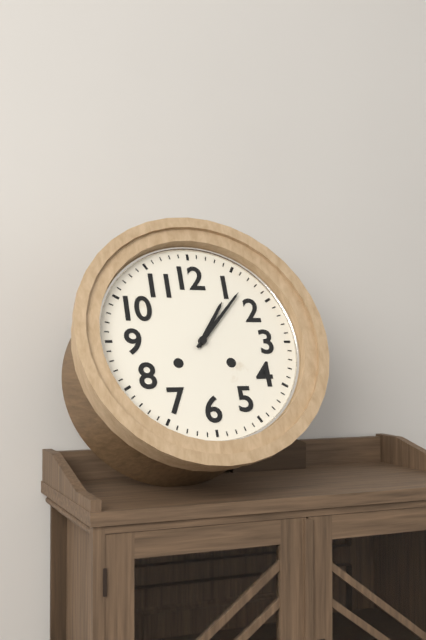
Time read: 1h07
